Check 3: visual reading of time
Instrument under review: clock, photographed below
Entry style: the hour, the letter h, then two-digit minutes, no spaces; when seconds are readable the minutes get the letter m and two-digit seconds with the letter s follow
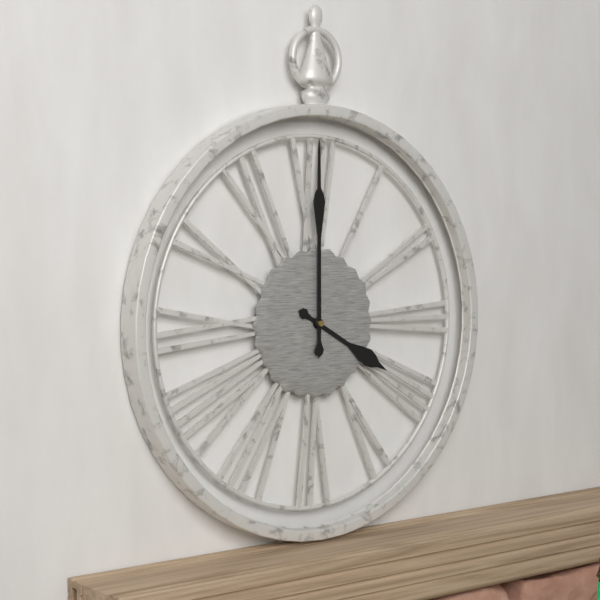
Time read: 4h00
